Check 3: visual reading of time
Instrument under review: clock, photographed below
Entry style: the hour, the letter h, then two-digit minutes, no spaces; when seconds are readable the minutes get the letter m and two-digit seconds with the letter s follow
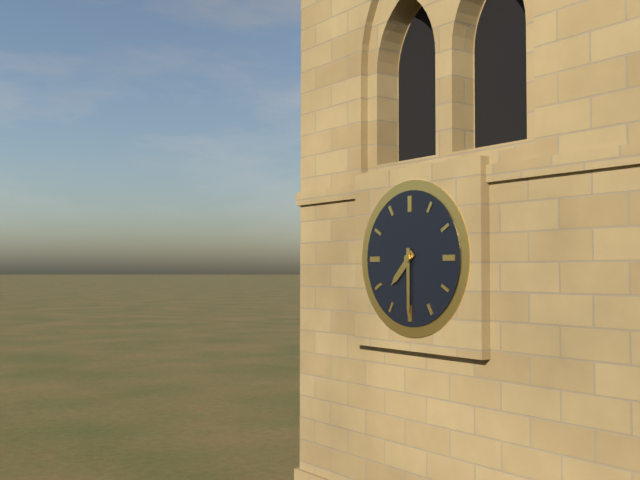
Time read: 7h30
